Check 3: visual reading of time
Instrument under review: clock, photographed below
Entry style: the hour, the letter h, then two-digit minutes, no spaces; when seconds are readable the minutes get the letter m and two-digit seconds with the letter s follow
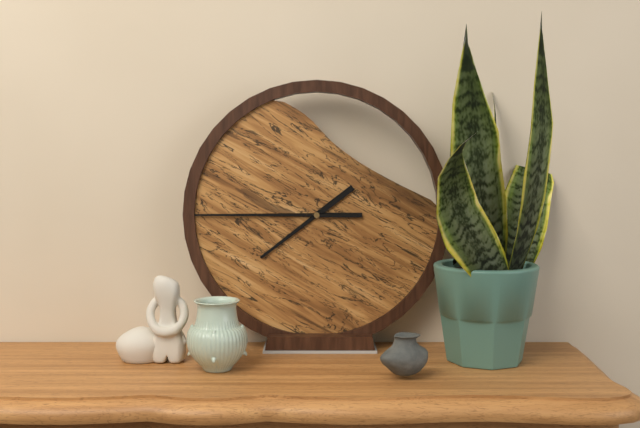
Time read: 7h45
